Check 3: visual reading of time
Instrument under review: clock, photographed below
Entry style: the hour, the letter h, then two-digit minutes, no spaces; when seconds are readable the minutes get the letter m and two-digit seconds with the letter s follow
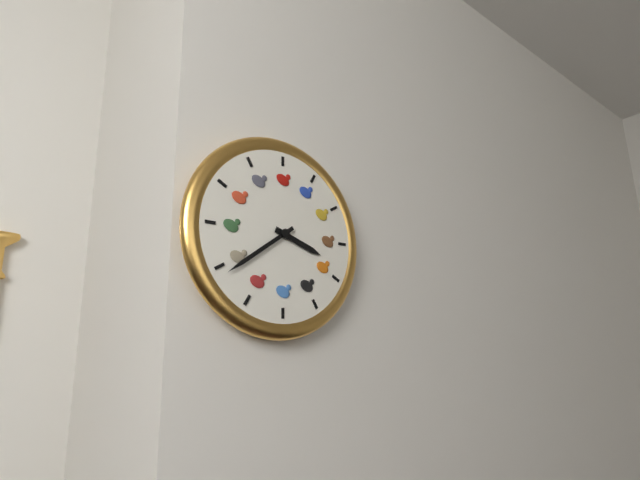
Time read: 3h39
